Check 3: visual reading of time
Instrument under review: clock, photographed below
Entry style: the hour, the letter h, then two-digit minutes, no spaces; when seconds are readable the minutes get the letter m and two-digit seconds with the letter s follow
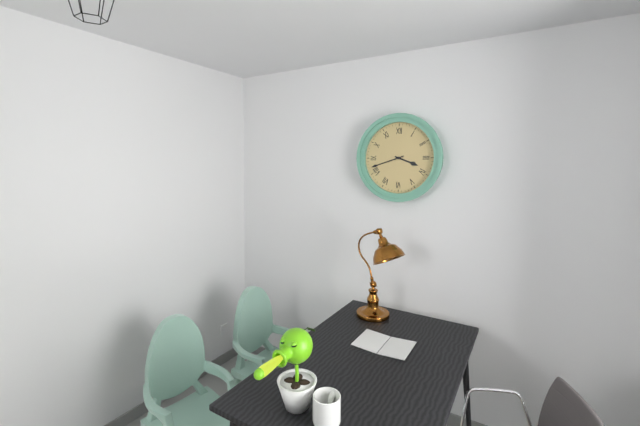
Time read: 3h42
